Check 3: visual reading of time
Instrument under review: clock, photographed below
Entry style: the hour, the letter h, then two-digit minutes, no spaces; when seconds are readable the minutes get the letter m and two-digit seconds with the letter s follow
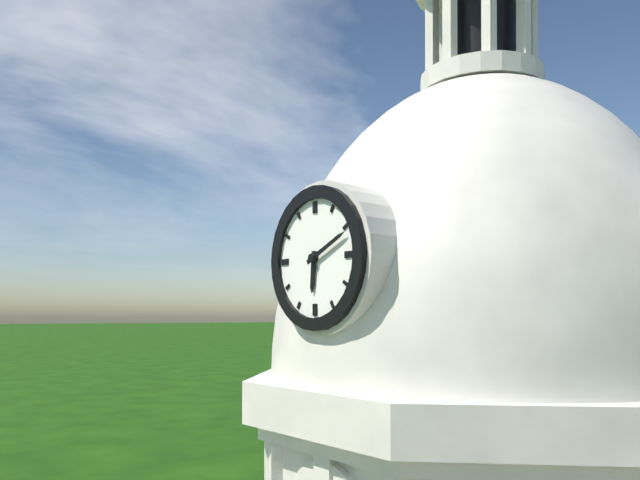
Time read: 6h11
